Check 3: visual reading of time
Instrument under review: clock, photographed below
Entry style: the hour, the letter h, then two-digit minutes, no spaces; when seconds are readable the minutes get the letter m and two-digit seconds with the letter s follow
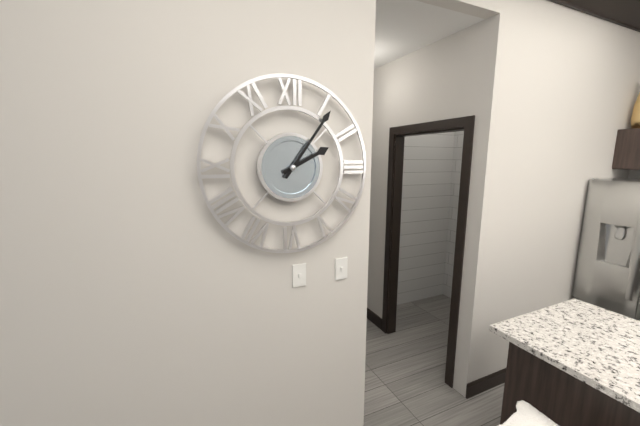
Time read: 2h06
